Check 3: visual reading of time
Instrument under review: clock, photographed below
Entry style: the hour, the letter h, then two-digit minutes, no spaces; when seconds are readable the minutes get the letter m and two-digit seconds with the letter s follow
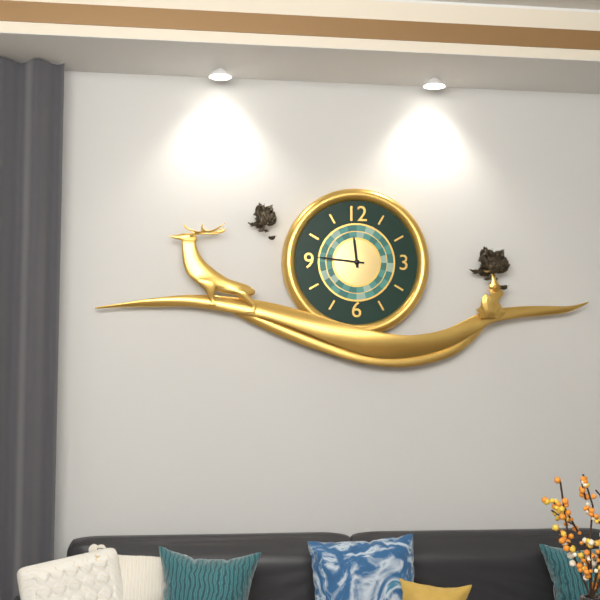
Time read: 11h46
